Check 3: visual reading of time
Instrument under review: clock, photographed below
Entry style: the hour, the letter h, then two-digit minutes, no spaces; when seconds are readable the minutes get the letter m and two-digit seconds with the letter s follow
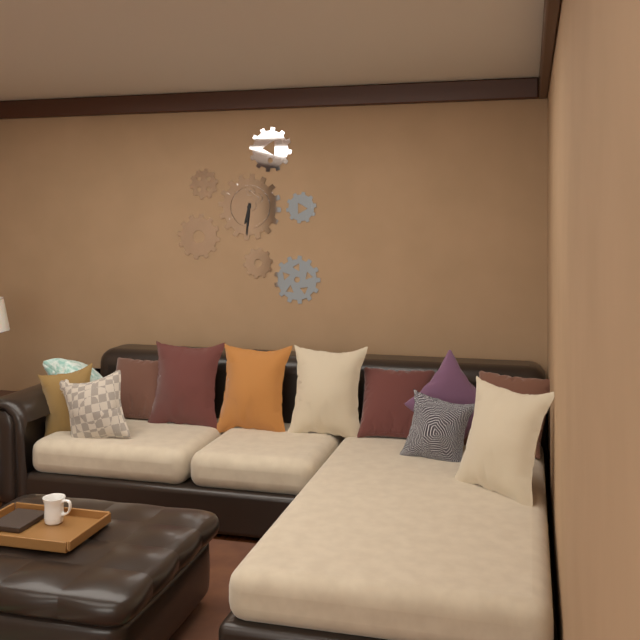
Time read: 6h31
